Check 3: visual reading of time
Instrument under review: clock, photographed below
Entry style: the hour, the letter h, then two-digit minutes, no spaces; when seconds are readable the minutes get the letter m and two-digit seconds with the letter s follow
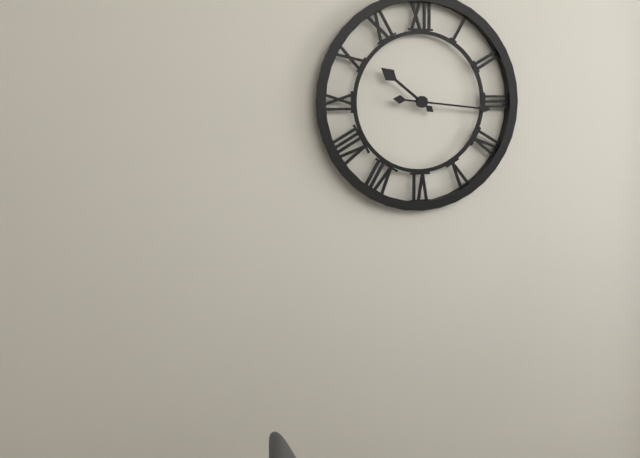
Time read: 10h16
